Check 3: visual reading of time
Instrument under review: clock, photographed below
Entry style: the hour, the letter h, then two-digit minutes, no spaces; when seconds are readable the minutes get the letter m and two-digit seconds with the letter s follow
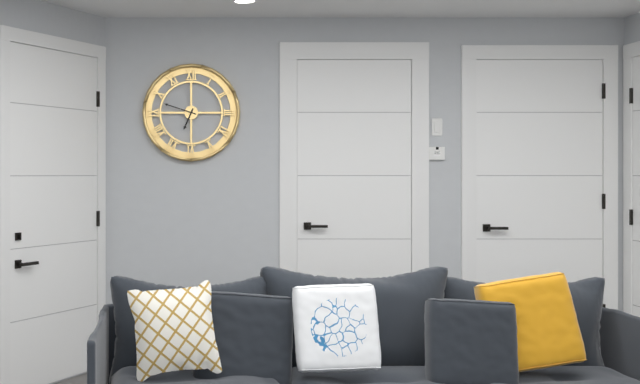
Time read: 6h48
